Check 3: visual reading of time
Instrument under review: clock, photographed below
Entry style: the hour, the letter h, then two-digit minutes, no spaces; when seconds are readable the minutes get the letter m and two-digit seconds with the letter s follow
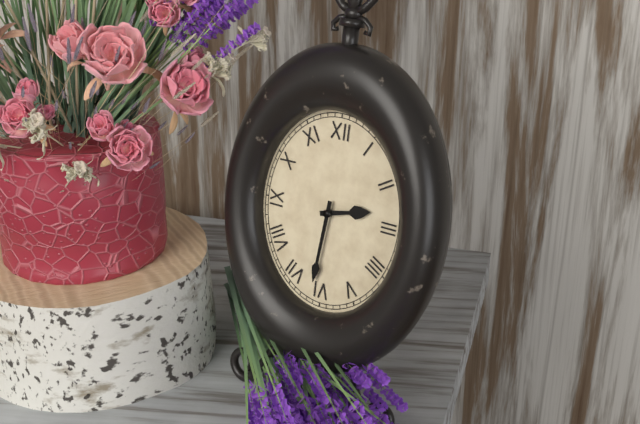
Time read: 2h31
